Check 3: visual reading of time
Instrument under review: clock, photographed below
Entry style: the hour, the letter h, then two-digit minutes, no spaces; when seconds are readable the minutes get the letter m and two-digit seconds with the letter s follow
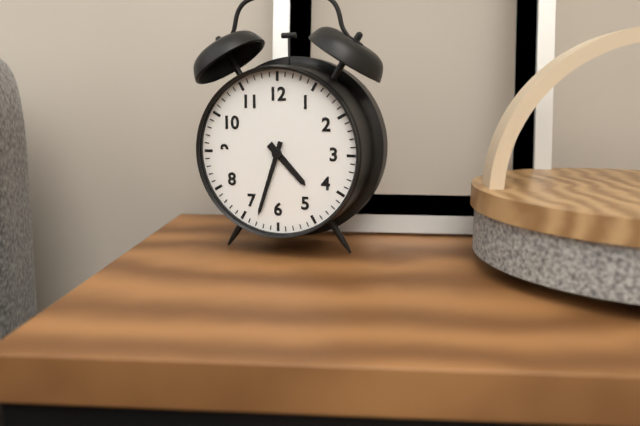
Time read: 4h33
